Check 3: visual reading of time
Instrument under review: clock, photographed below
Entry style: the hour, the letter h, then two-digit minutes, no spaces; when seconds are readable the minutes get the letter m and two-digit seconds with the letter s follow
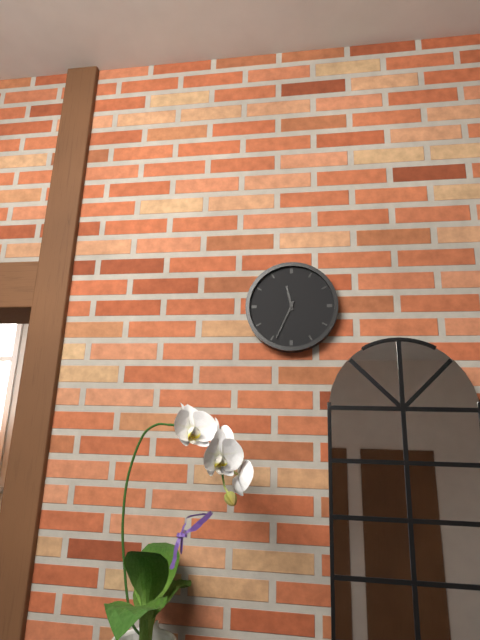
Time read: 11h34
